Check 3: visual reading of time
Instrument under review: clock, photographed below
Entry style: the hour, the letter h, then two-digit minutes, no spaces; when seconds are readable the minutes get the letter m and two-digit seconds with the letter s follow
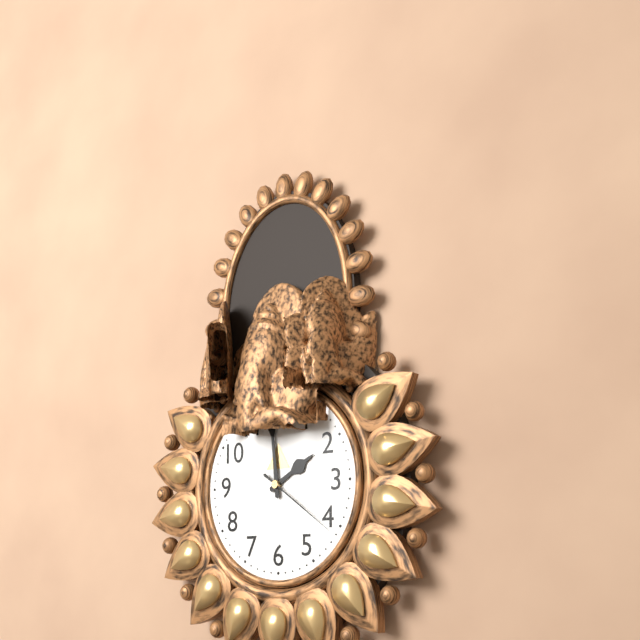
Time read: 1h59m21s
